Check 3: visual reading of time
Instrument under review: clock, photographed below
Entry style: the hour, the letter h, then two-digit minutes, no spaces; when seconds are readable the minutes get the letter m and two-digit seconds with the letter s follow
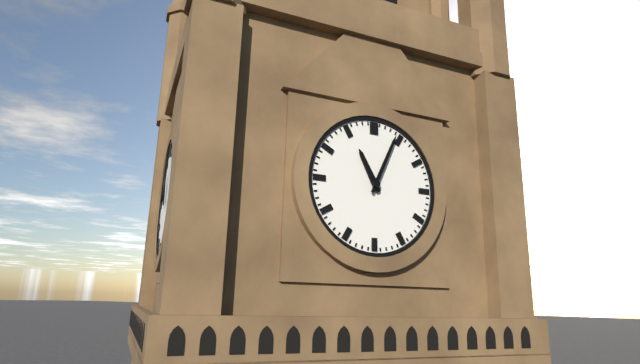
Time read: 11h04
